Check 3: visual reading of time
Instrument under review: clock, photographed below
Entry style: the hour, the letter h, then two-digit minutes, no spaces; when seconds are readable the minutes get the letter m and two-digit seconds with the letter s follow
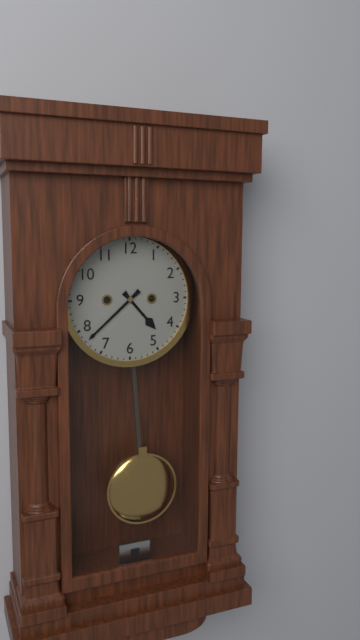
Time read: 4h38
